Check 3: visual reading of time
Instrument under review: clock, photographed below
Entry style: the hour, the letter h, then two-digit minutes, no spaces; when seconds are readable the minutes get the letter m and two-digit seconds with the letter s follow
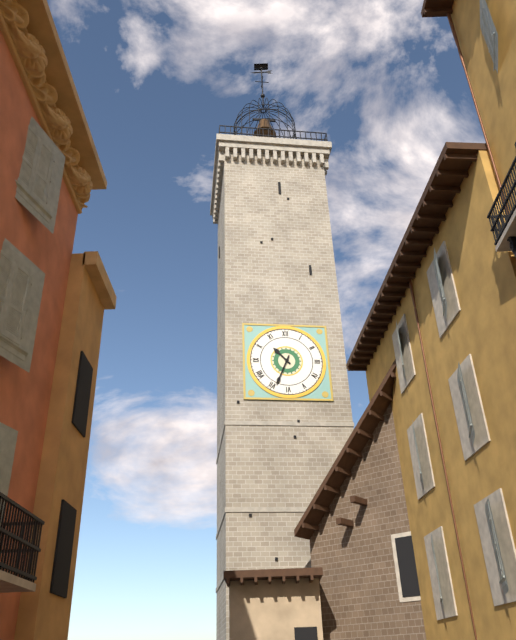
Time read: 10h34
